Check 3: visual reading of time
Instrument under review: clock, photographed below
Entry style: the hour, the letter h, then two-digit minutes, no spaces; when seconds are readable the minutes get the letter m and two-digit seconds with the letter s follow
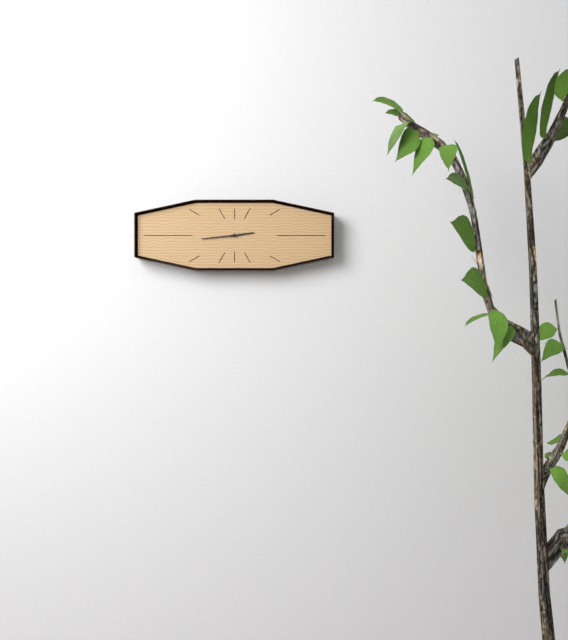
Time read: 2h44
